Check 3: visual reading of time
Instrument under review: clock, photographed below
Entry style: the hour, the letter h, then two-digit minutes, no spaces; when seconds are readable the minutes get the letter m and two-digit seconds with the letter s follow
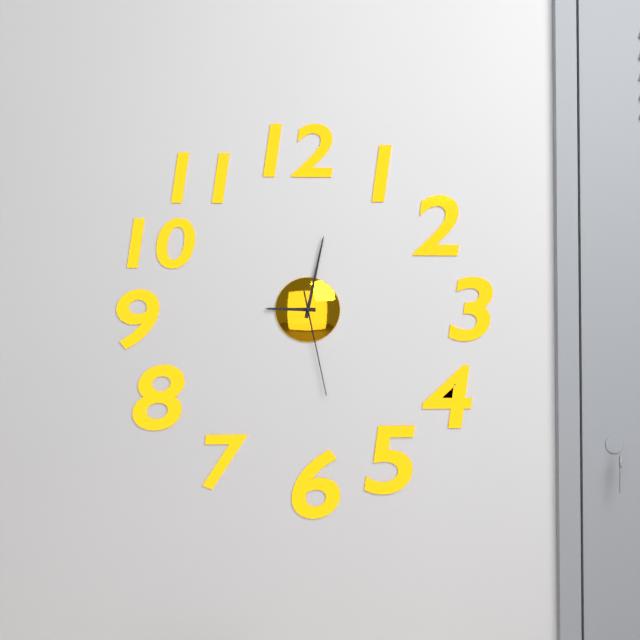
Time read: 9h02m28s
